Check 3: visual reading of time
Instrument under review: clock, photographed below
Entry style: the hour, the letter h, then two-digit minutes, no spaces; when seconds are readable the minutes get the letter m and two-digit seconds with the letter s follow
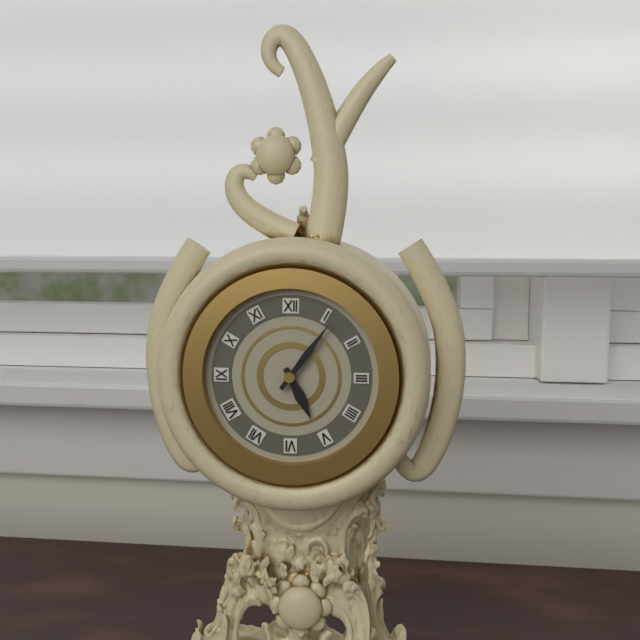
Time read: 5h06
